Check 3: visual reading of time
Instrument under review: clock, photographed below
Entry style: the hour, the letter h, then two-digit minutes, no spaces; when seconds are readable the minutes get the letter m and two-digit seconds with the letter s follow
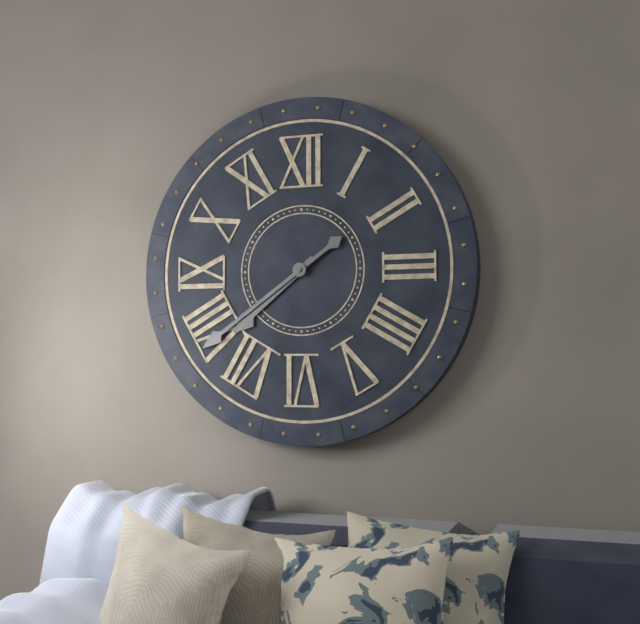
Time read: 7h39
